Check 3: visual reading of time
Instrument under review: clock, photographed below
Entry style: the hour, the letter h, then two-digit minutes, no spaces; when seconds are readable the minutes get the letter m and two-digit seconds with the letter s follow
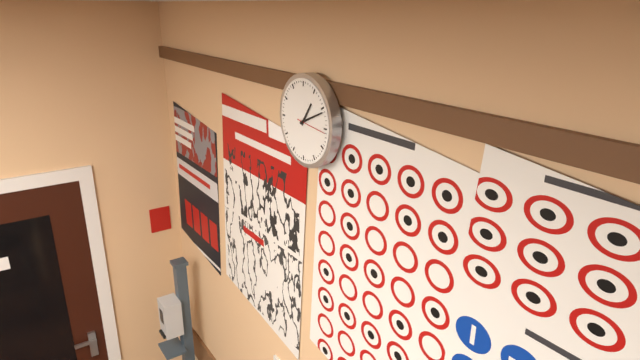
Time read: 1h11
